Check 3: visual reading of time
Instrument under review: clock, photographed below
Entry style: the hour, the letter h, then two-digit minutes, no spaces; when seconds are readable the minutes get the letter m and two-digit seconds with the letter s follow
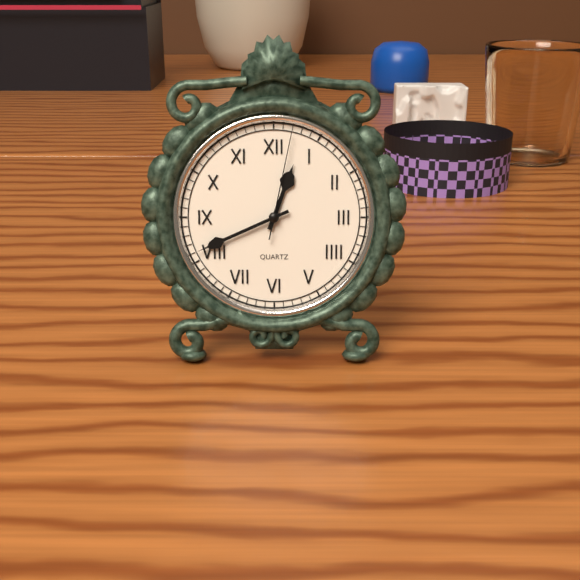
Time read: 12h41m02s
